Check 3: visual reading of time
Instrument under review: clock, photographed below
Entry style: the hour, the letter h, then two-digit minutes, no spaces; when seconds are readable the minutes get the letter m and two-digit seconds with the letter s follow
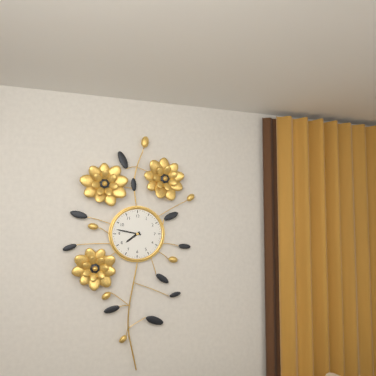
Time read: 7h47
